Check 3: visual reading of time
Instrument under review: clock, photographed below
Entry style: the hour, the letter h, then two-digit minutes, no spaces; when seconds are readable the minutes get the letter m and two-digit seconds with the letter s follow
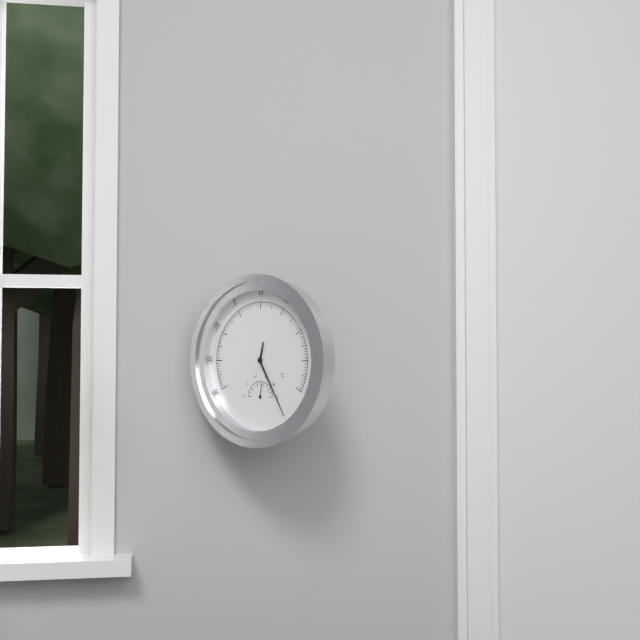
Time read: 12h25
